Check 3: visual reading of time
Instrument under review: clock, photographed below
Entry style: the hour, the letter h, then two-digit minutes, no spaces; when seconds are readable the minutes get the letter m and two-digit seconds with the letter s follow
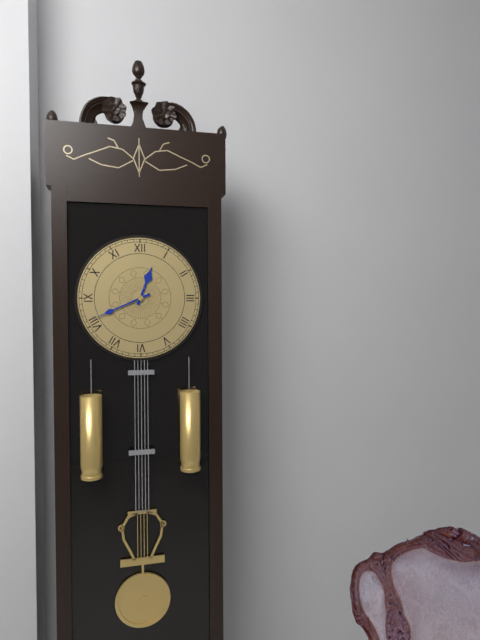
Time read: 12h41
